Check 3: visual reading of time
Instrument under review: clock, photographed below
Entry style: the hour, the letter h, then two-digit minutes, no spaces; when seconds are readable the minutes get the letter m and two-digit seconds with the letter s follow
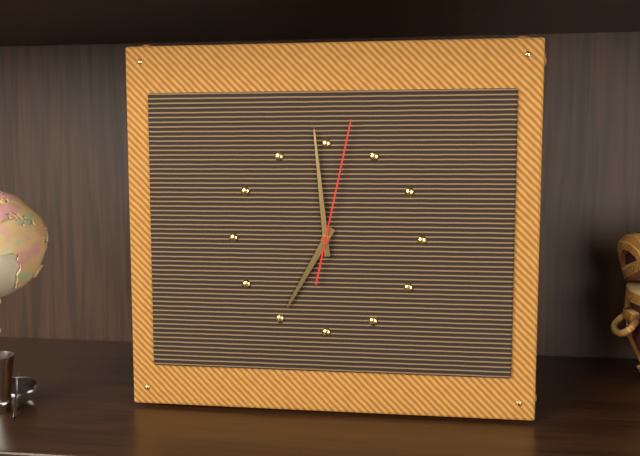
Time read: 6h59m02s
